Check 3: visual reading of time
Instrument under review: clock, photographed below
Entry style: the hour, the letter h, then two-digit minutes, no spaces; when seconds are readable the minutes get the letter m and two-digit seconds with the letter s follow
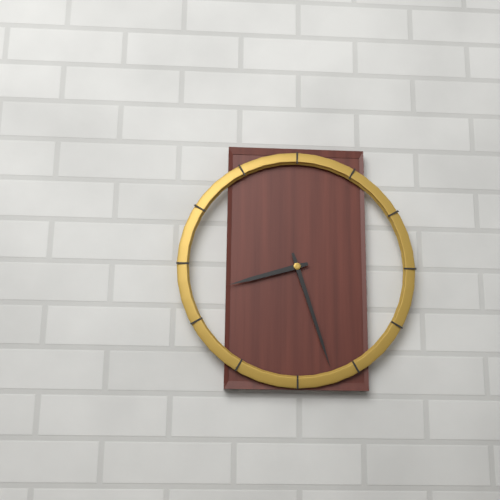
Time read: 8h27
